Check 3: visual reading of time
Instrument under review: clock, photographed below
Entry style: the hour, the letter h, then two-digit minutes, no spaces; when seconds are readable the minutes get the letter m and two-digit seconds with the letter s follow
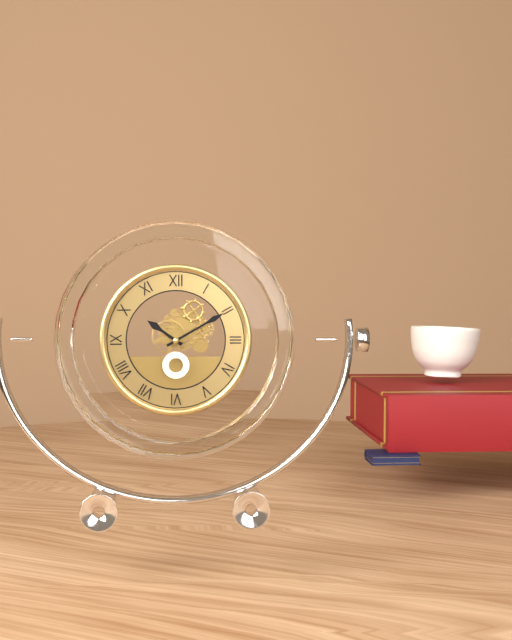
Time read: 10h10
